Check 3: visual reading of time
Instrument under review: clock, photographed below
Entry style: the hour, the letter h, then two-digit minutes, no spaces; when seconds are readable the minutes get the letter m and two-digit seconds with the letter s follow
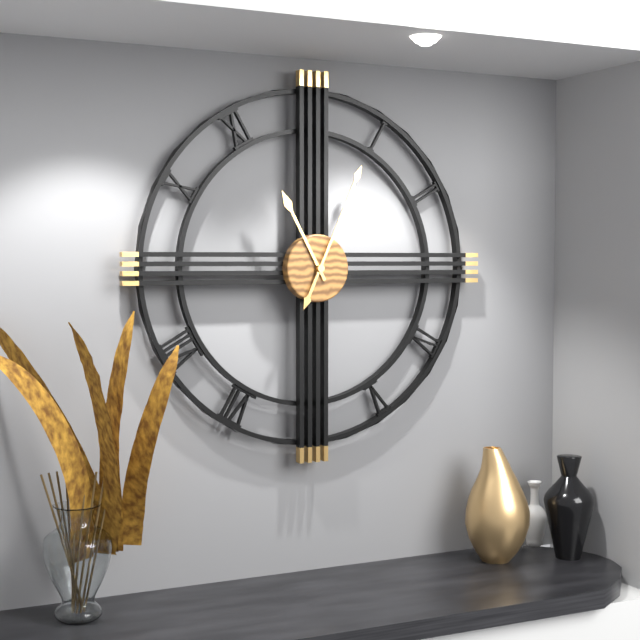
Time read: 11h04
